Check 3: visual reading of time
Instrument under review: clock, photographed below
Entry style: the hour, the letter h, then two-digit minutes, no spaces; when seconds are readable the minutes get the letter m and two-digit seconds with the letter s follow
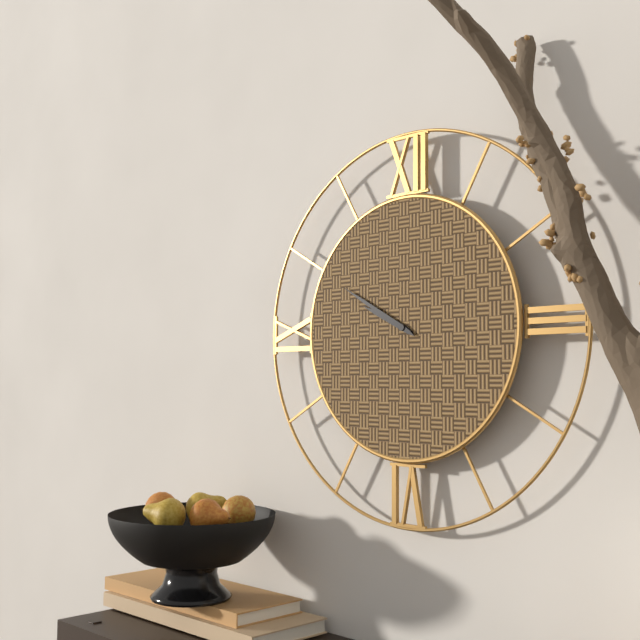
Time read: 9h50
